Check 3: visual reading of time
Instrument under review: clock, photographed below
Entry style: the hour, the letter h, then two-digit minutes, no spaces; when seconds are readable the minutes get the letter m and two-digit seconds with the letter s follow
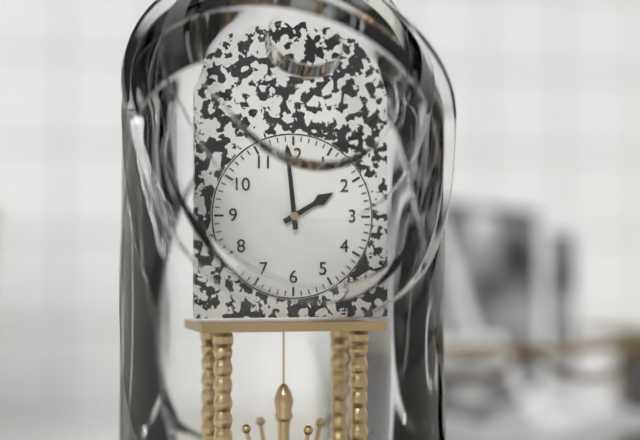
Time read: 1h59
